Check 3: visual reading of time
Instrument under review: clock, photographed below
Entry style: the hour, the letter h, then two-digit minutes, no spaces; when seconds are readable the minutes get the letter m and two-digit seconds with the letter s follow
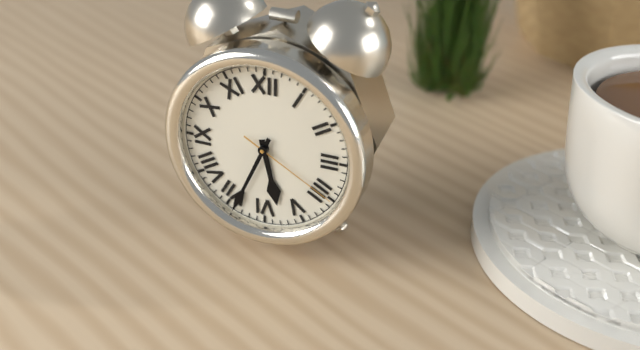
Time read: 5h34m20s
